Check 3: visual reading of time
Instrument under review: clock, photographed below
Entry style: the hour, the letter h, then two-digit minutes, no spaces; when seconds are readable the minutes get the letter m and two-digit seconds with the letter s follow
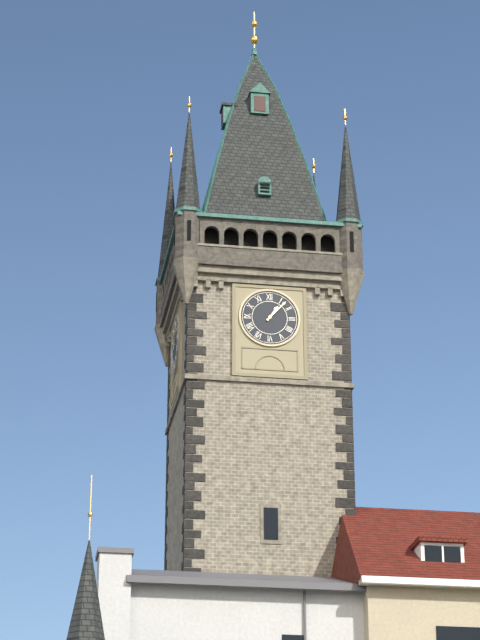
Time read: 1h07
